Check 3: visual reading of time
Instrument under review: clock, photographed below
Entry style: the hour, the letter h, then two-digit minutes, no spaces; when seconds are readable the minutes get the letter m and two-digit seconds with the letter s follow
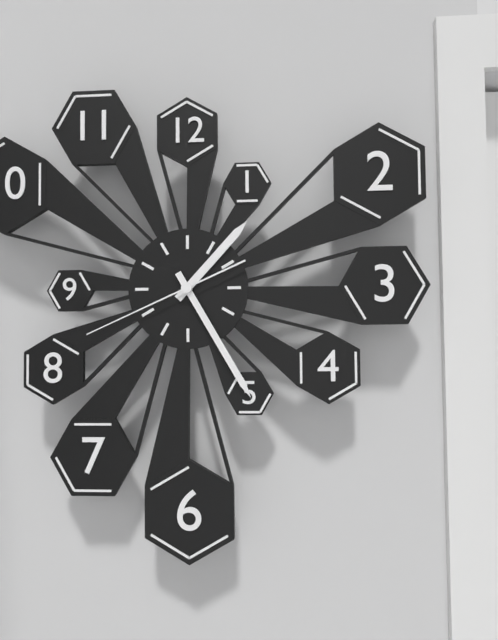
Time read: 1h25m41s
